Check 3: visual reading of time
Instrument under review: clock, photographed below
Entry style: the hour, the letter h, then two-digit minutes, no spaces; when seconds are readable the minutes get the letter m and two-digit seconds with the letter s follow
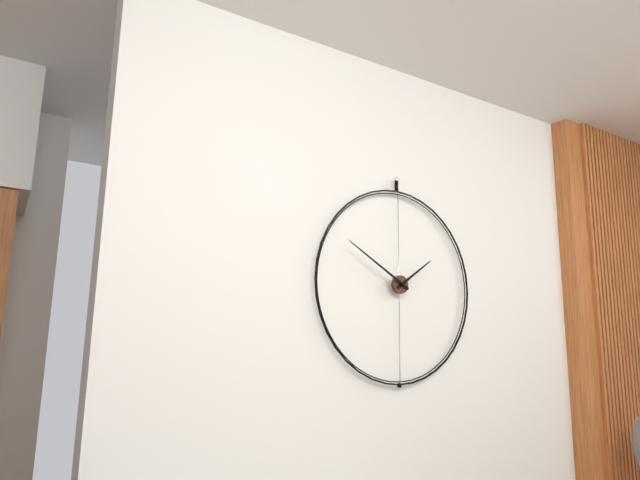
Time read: 1h50
